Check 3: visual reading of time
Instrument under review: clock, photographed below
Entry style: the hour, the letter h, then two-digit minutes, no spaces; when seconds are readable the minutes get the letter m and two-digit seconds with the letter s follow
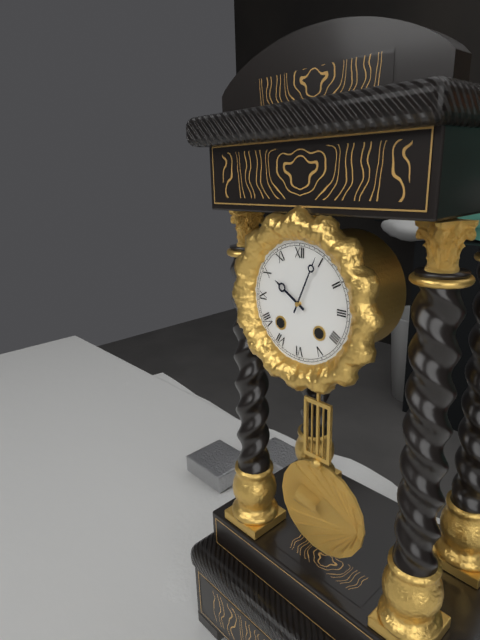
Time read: 10h04
